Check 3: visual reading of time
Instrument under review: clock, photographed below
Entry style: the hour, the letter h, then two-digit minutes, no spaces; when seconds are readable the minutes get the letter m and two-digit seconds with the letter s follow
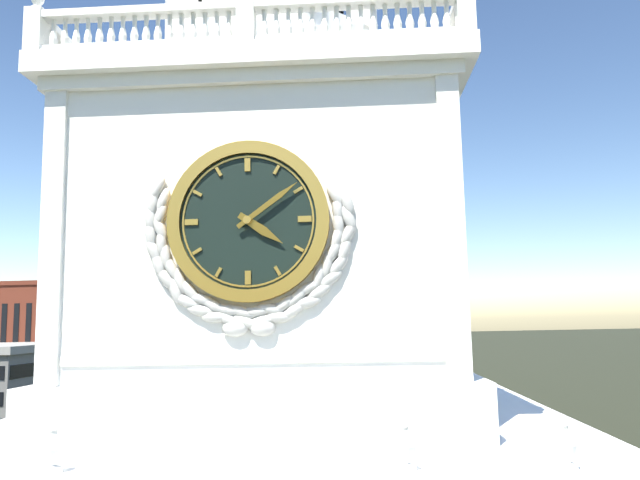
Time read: 4h09
